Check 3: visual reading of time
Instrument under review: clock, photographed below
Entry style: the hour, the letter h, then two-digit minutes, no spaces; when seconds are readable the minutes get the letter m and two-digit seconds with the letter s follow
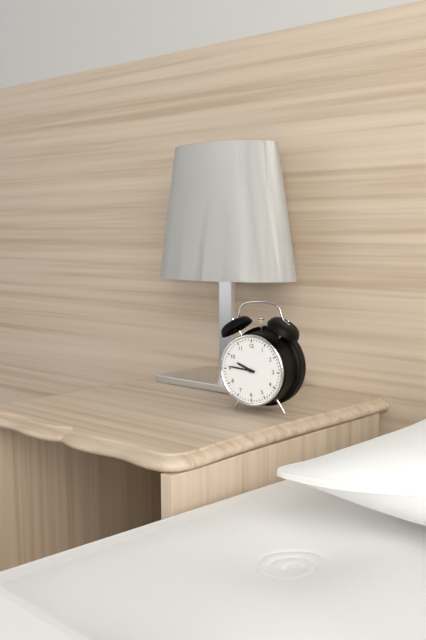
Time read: 9h46
